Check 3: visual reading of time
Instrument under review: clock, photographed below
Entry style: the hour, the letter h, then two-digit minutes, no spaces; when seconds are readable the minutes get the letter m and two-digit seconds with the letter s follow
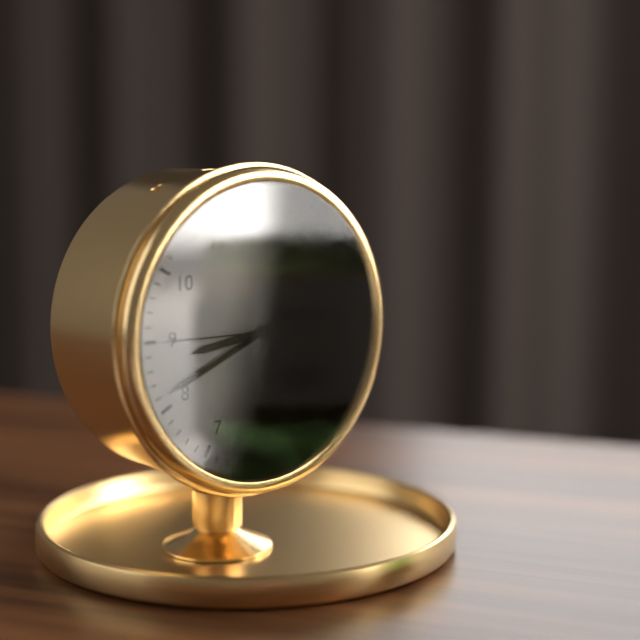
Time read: 8h41m45s
